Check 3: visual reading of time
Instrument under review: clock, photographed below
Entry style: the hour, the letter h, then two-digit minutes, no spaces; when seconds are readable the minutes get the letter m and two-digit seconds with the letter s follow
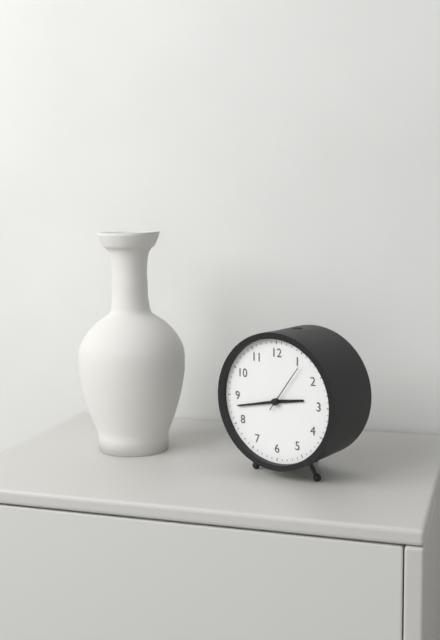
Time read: 2h43m06s
